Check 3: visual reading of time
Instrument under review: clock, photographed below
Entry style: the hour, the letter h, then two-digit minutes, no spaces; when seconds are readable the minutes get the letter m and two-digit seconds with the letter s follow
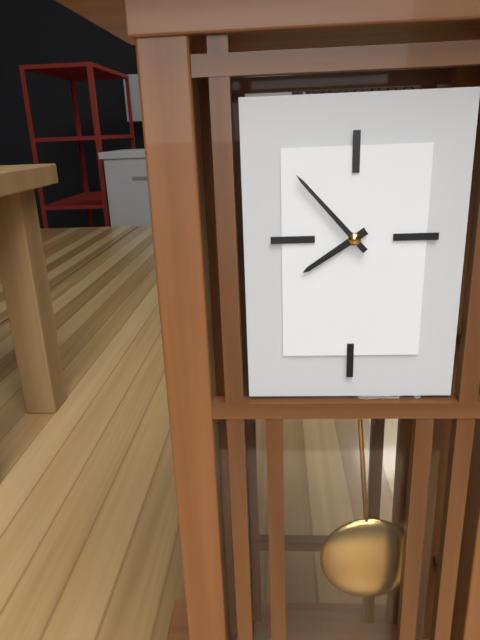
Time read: 7h53
